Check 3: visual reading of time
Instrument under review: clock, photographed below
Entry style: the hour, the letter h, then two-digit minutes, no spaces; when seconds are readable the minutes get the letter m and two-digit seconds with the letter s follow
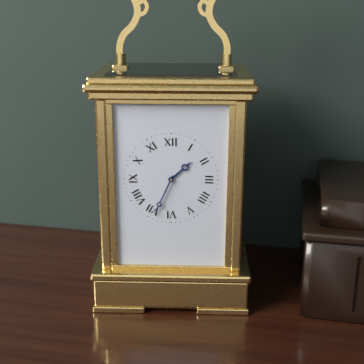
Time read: 1h34
